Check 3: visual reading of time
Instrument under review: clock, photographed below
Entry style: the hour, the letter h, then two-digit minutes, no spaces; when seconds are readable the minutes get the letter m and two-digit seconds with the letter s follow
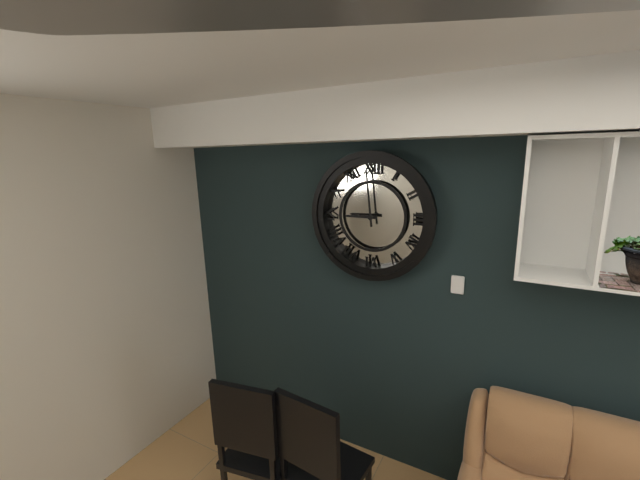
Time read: 8h59
